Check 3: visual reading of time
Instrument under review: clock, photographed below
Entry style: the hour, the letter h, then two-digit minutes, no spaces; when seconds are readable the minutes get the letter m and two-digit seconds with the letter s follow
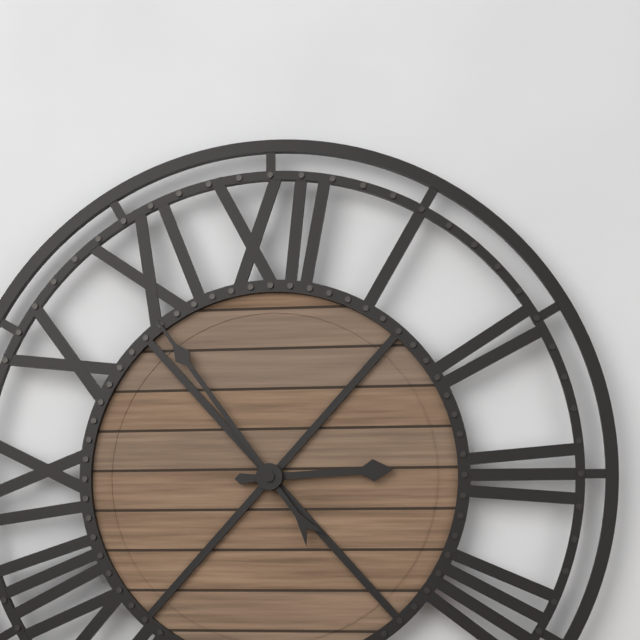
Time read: 2h54
